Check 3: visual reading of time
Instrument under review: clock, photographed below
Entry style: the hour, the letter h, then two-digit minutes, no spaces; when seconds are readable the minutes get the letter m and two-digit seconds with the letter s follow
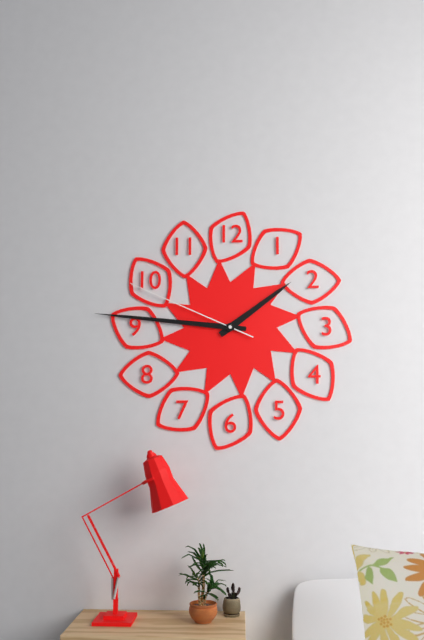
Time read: 1h46m49s
